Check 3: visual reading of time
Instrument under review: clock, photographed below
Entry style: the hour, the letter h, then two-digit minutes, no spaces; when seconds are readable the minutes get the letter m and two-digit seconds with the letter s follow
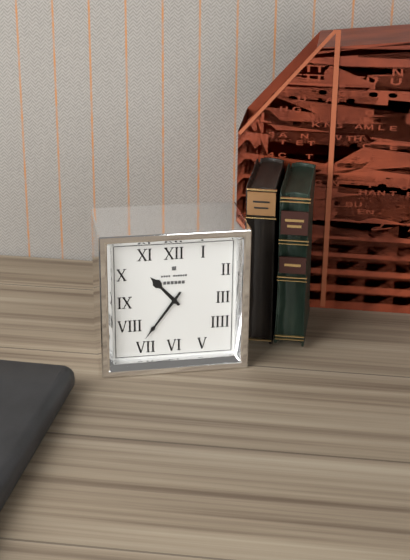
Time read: 10h36
